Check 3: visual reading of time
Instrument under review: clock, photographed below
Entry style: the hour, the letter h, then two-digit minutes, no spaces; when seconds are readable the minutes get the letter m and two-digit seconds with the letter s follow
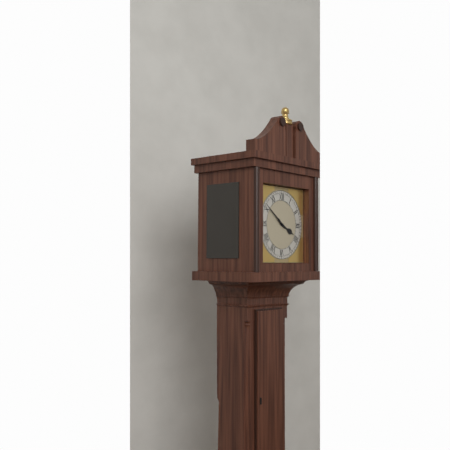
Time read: 3h51
